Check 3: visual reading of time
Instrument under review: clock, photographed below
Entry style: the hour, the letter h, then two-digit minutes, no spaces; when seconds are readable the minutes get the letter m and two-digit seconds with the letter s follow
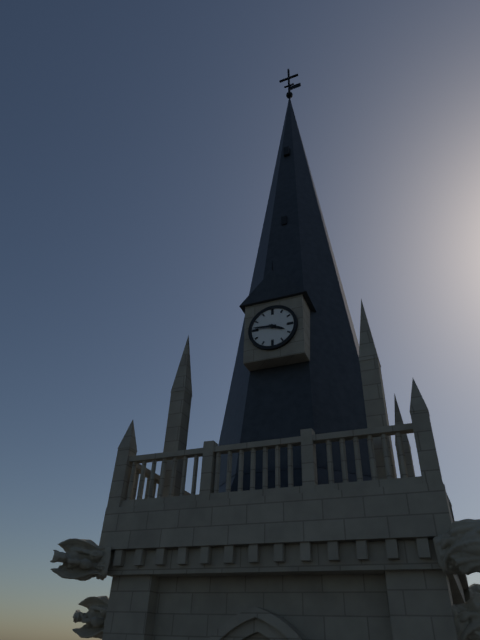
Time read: 3h46
